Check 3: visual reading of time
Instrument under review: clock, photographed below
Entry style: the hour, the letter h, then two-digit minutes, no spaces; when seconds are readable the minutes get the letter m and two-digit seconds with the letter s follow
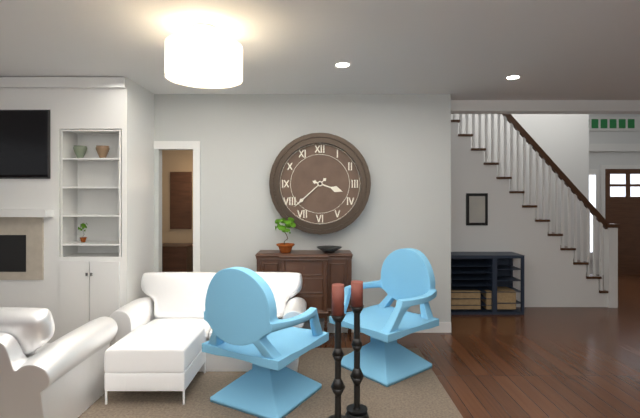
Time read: 3h38
